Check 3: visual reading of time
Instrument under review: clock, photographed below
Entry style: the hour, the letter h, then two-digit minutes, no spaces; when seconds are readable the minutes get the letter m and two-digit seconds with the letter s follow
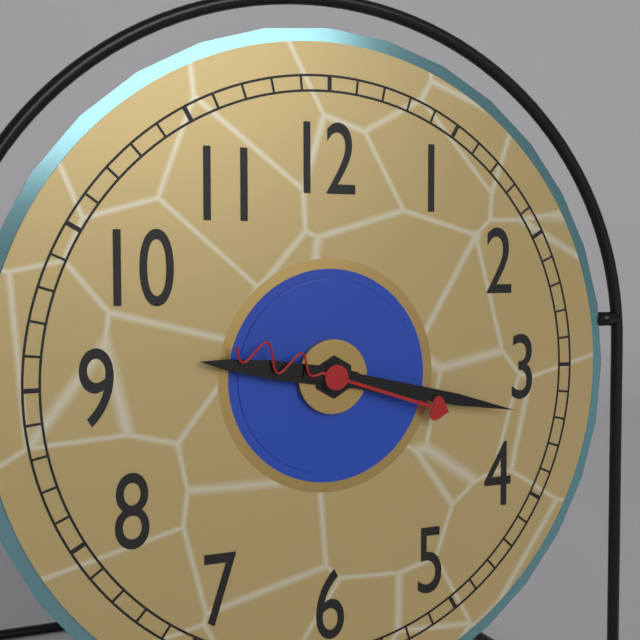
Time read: 9h17m18s
